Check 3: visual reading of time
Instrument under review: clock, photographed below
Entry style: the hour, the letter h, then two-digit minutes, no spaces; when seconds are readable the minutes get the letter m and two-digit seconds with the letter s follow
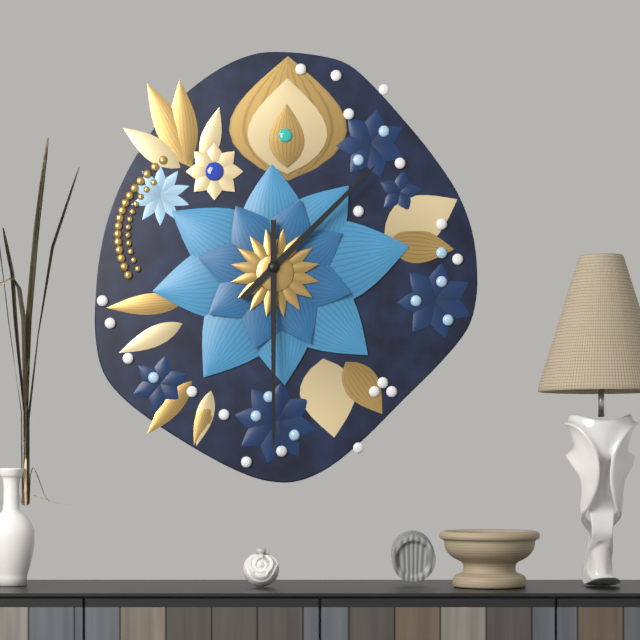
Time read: 1h30
